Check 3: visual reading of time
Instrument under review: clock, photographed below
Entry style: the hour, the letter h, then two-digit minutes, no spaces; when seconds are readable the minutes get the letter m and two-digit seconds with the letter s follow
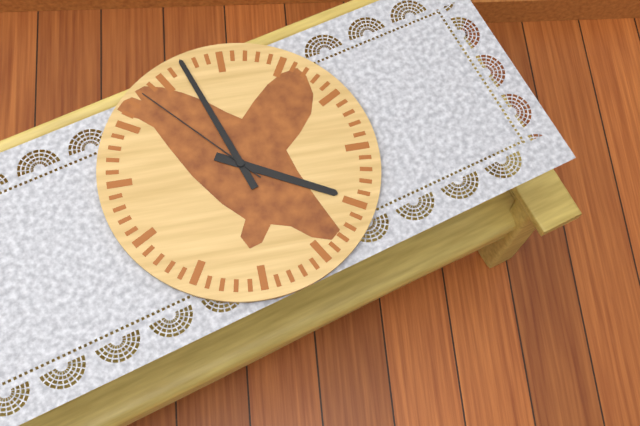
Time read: 3h57m53s
